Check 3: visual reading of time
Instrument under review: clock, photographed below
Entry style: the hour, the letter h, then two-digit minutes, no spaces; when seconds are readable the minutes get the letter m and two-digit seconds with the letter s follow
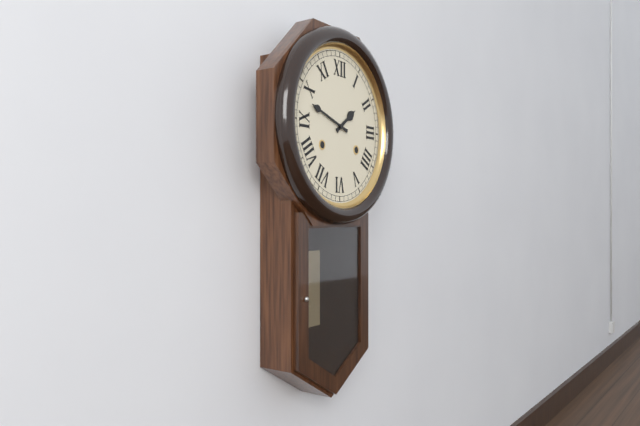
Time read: 1h48
